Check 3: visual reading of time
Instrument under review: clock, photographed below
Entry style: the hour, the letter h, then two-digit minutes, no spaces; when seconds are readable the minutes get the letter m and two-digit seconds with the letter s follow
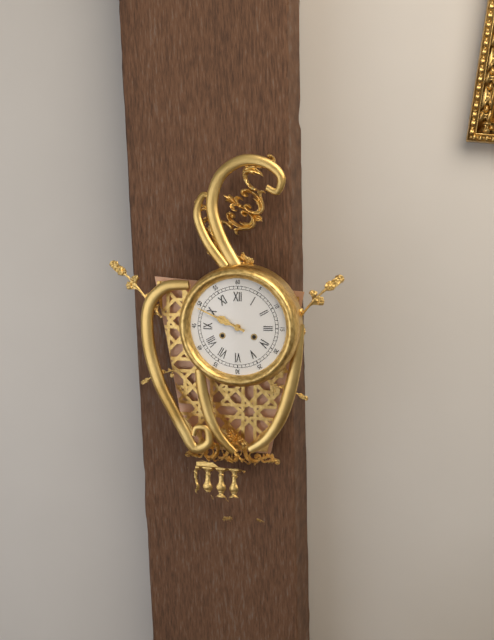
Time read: 9h49
